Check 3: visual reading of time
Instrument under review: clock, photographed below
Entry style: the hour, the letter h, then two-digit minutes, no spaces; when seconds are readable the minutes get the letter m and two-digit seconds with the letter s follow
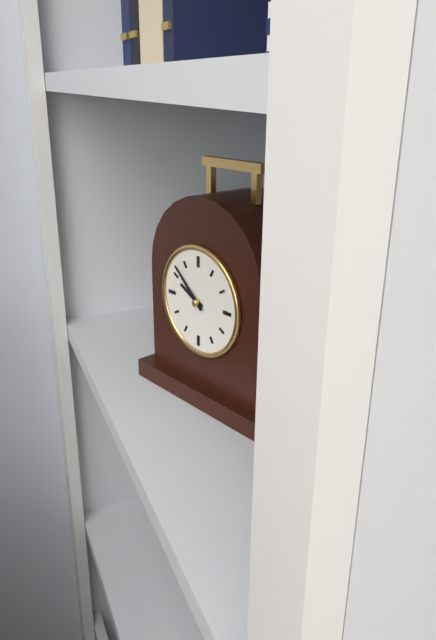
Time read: 9h52
